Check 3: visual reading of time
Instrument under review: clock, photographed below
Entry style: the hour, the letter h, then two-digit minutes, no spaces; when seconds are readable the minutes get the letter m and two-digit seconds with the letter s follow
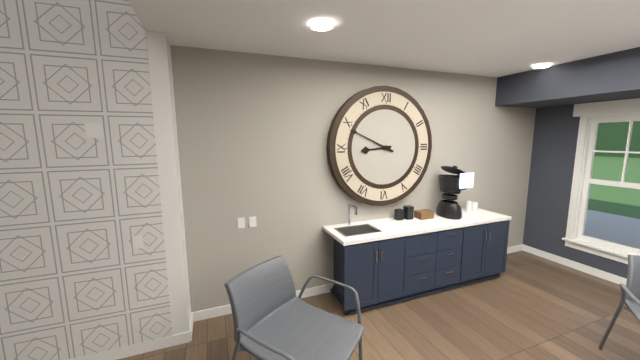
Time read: 8h49
